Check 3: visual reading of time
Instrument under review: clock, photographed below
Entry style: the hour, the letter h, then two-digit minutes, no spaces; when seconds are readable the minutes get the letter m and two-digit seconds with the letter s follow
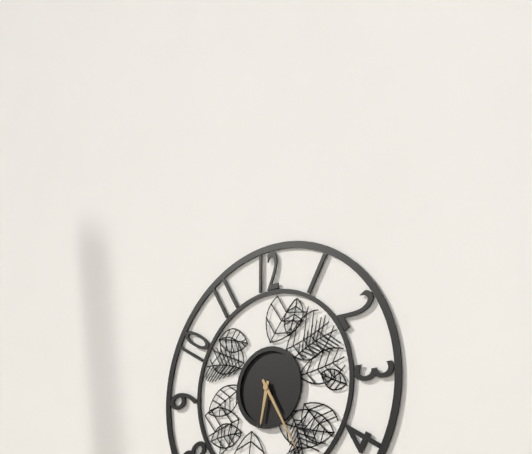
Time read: 6h25
